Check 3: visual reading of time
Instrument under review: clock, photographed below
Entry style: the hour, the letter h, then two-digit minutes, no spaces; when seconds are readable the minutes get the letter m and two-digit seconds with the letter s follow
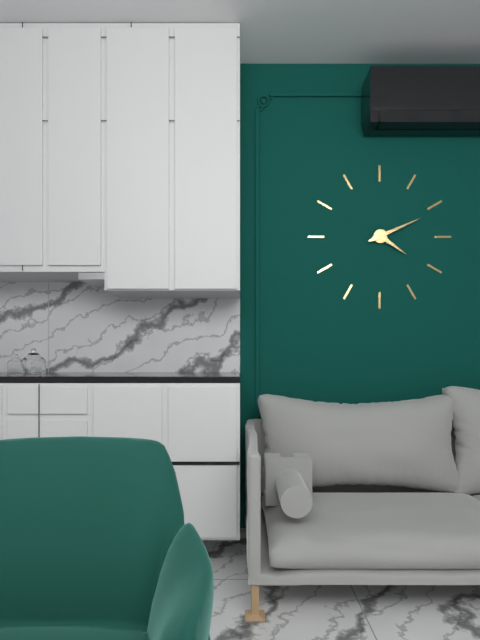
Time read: 4h11
